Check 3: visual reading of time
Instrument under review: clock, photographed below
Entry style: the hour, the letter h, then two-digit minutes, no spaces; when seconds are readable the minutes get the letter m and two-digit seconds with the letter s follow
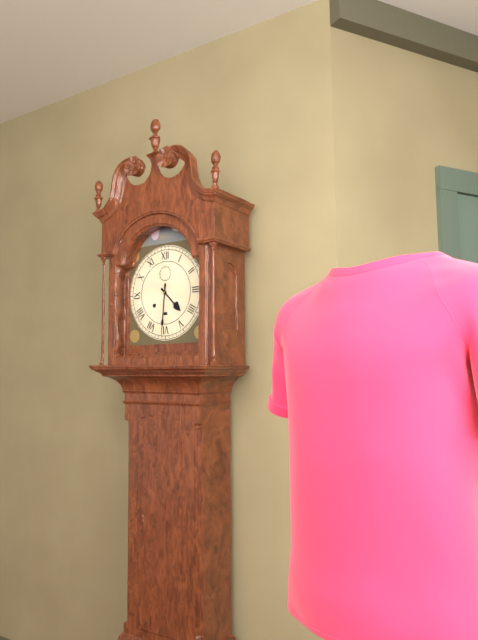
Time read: 4h31
